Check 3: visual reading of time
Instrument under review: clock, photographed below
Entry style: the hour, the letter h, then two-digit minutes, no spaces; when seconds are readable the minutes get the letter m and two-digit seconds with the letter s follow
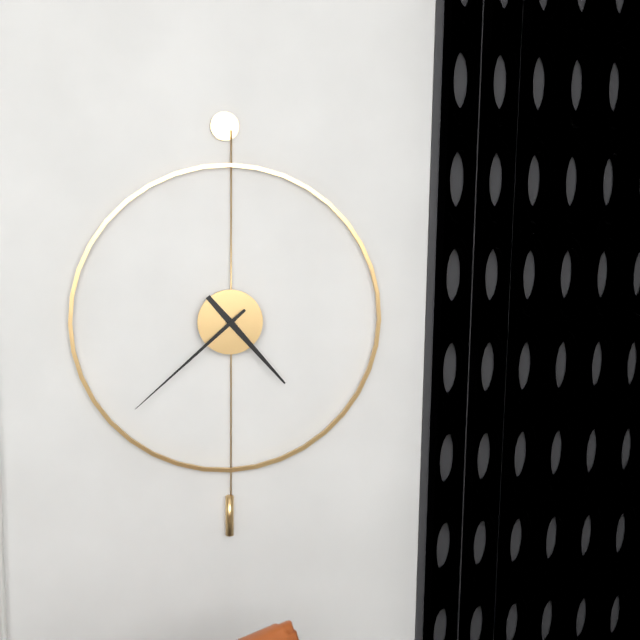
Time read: 4h38
